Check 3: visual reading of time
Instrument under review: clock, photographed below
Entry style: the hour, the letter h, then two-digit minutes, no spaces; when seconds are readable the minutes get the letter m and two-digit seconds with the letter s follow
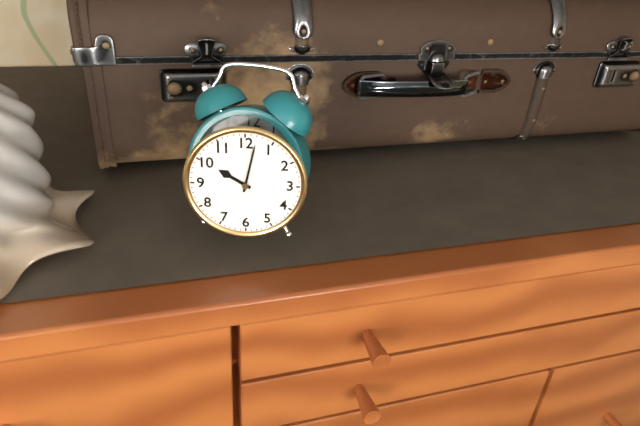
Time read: 10h02
